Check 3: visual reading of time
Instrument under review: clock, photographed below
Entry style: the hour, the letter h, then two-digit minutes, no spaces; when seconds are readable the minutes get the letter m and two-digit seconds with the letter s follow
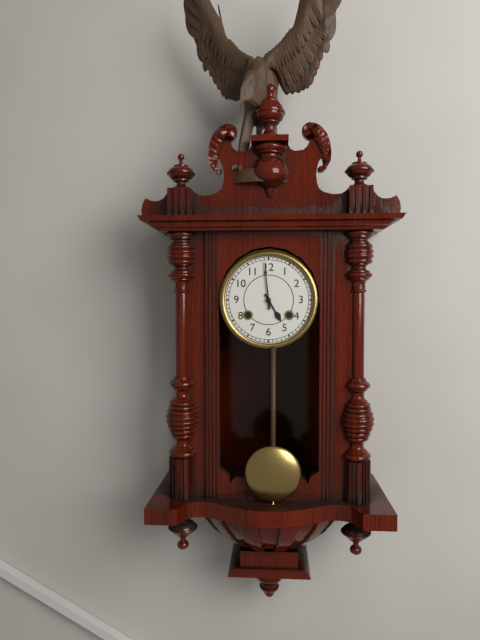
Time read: 4h59
